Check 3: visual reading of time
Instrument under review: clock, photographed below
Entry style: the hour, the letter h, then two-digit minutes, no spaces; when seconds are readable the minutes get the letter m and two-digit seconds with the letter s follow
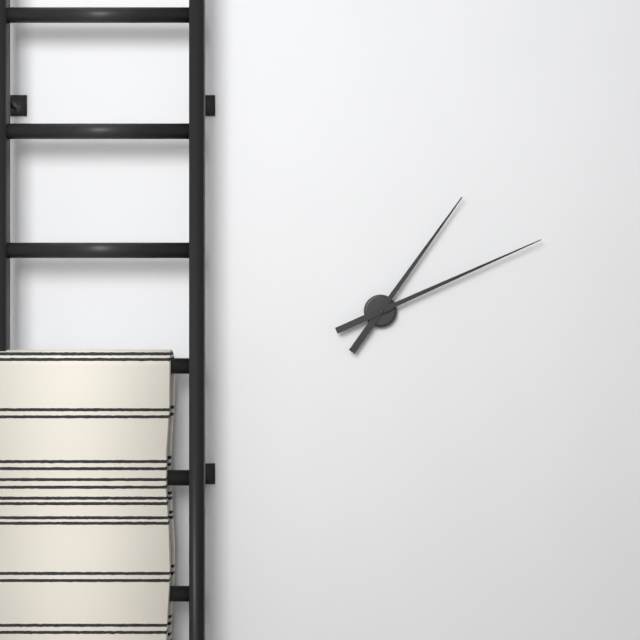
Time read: 1h11
